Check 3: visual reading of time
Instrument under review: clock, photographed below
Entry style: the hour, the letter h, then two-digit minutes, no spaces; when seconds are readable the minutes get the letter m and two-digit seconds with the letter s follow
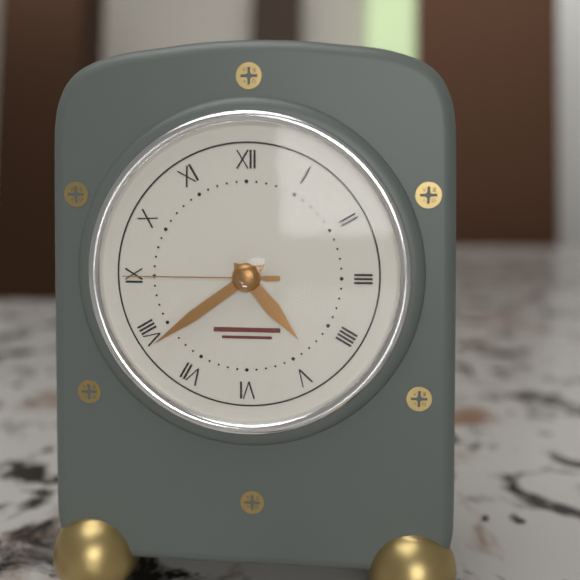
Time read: 4h39m45s
